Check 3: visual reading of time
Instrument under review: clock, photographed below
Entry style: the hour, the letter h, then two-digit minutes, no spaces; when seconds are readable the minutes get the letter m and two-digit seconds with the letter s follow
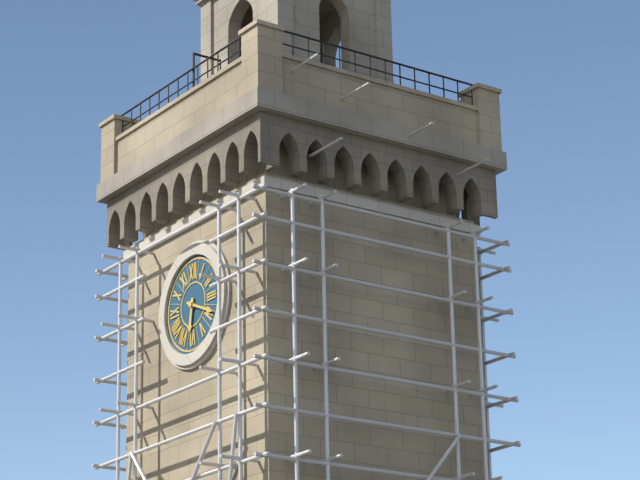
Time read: 6h19
